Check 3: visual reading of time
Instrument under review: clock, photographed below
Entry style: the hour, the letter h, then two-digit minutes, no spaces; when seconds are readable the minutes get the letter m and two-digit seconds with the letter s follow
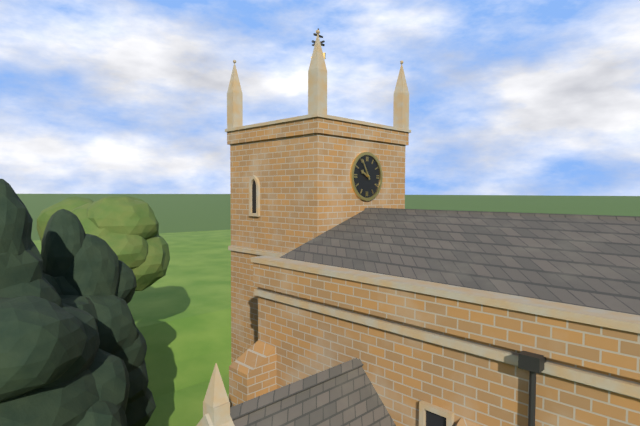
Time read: 9h55
